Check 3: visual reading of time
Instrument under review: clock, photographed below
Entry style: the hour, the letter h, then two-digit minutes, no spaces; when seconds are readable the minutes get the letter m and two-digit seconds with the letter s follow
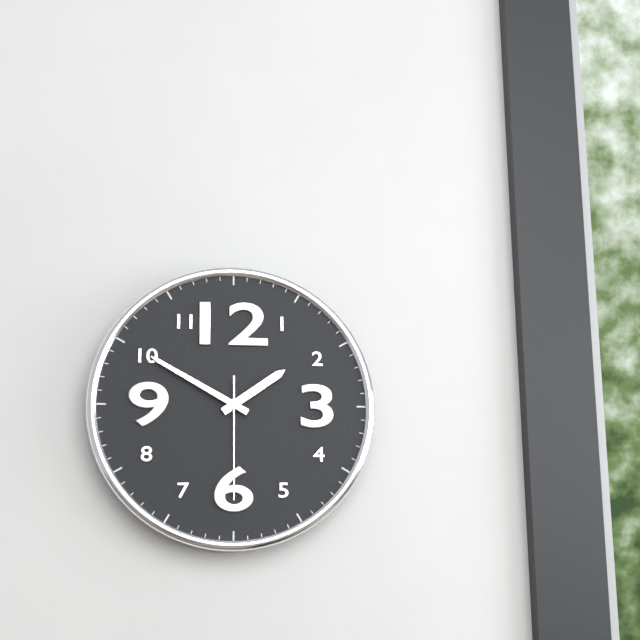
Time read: 1h50m30s
